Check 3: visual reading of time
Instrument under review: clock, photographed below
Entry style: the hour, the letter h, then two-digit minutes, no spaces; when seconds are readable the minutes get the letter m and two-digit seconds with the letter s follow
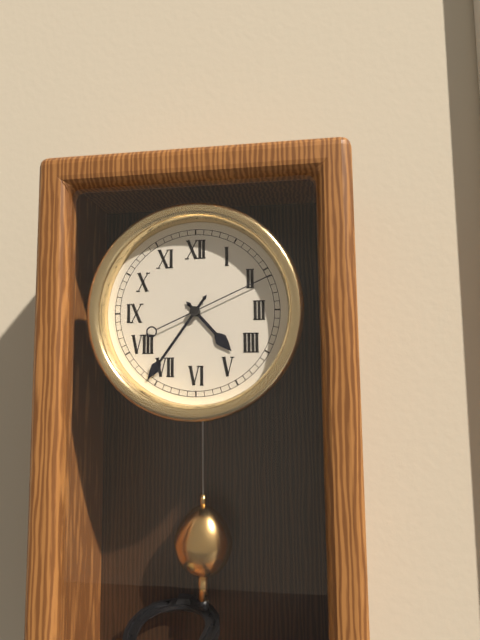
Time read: 4h36m11s
